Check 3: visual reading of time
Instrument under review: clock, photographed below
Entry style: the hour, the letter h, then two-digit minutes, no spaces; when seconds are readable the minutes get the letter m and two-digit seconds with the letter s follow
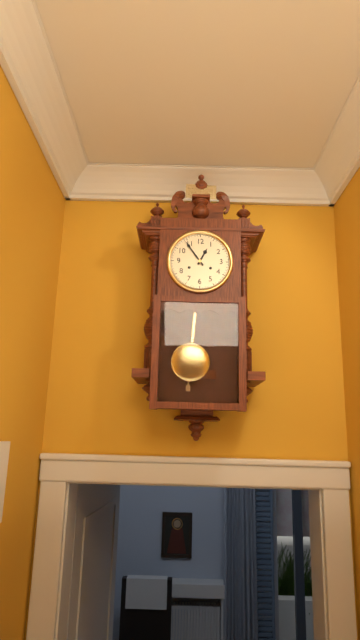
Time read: 12h54
